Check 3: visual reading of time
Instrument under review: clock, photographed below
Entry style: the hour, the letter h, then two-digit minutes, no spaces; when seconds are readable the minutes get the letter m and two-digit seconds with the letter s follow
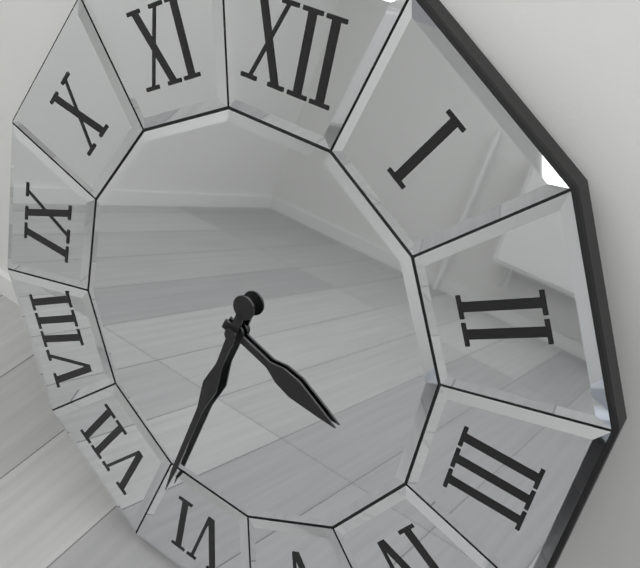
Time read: 3h32
